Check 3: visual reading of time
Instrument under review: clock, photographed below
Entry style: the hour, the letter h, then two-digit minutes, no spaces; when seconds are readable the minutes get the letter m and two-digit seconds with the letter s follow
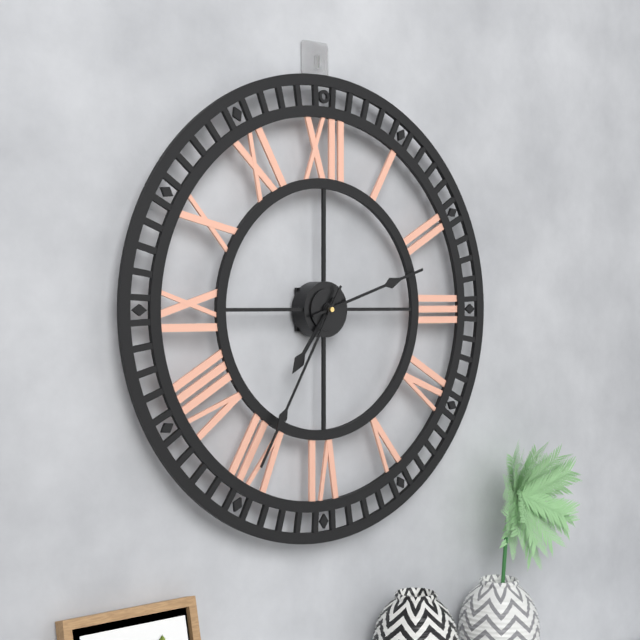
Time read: 7h12m35s
